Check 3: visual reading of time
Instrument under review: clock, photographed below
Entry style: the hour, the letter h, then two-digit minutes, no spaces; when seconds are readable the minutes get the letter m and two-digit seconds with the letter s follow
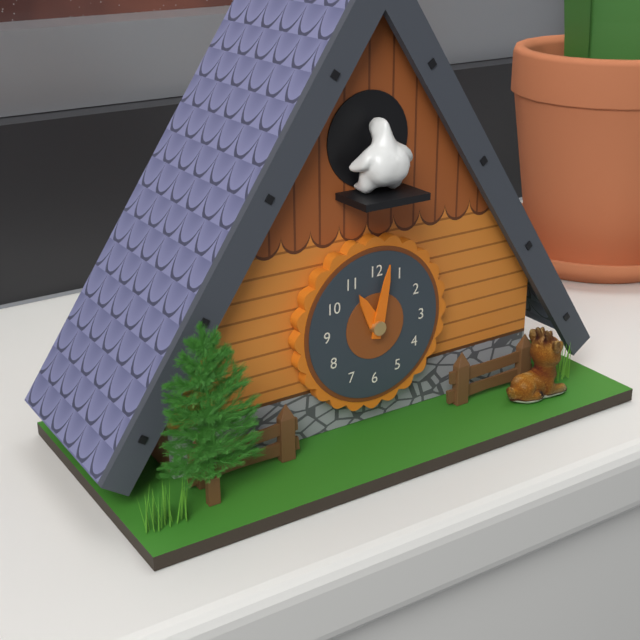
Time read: 11h02
